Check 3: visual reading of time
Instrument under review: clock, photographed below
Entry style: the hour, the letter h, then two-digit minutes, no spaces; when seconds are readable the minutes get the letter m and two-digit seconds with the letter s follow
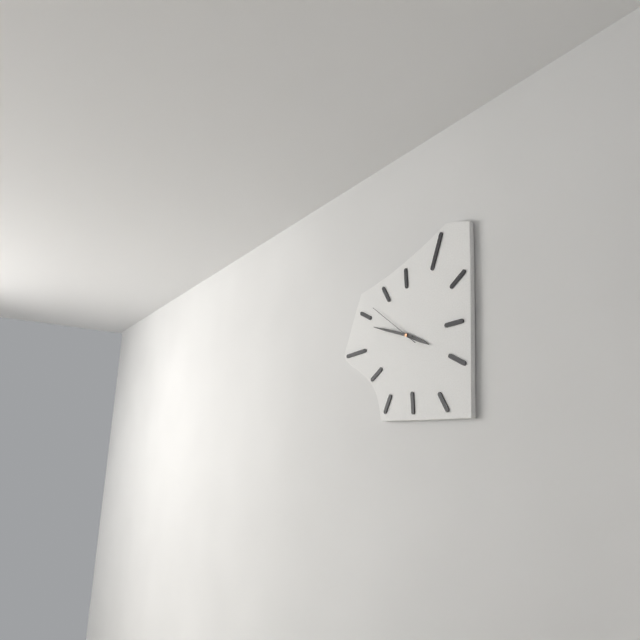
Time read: 3h48m51s
